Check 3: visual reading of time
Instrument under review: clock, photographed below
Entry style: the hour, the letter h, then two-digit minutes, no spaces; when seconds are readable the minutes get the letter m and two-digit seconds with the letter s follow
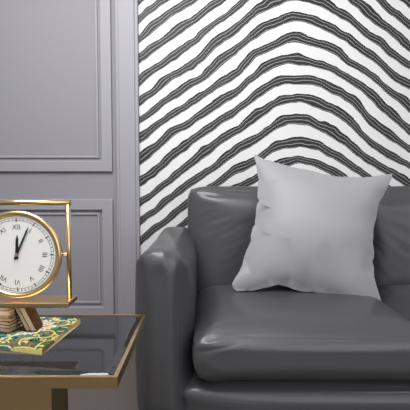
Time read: 12h04
